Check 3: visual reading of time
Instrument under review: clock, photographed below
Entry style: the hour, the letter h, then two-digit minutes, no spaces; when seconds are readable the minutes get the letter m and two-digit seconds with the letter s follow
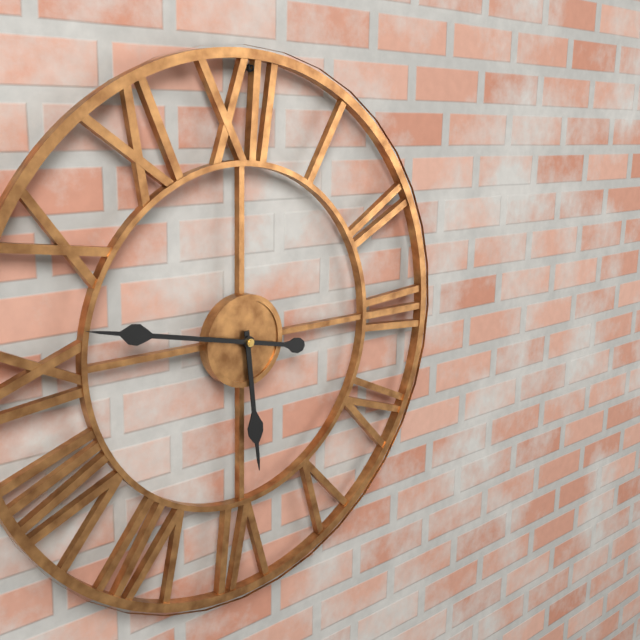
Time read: 5h47
